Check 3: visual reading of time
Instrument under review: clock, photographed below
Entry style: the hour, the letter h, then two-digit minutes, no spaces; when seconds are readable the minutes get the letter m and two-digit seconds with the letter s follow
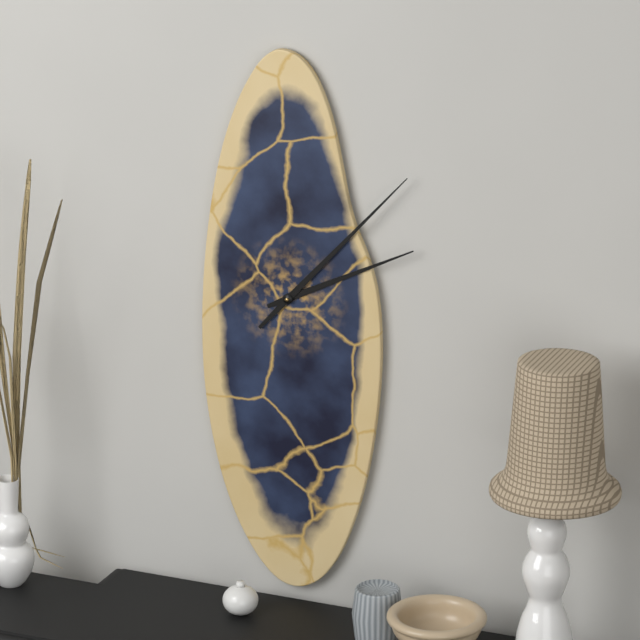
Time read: 2h07
